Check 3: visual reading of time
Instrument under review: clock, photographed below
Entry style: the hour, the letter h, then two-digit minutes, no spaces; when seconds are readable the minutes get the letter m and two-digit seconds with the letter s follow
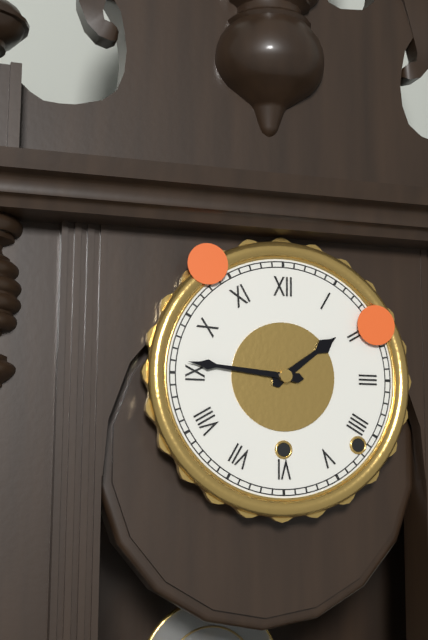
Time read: 1h46
